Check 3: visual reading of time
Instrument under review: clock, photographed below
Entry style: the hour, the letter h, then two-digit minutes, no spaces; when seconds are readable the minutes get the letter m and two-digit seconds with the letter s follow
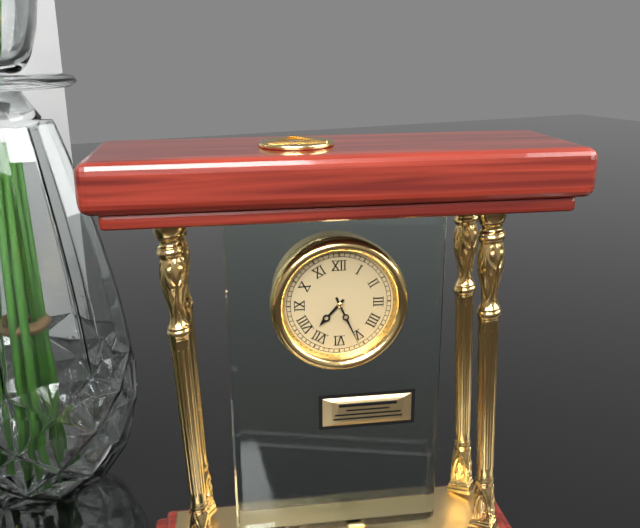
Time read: 7h26
